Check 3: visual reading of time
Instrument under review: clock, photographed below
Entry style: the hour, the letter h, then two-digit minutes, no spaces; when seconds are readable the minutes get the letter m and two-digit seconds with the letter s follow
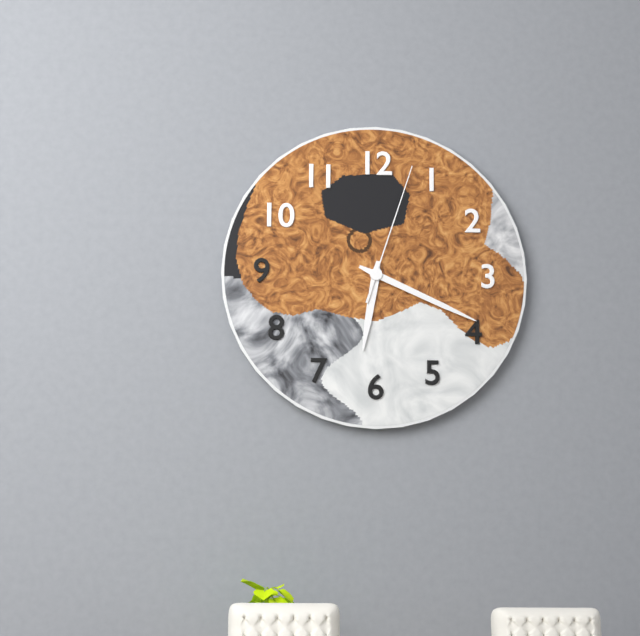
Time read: 6h19m03s
